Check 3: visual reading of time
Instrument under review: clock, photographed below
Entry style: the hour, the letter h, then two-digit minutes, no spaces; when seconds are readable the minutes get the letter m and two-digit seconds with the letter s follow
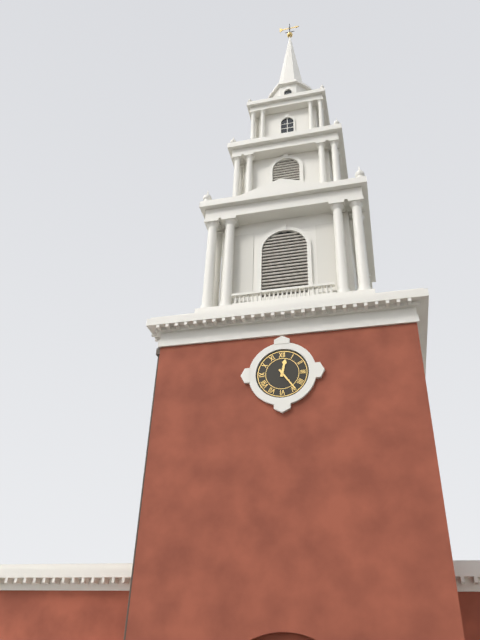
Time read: 12h24
